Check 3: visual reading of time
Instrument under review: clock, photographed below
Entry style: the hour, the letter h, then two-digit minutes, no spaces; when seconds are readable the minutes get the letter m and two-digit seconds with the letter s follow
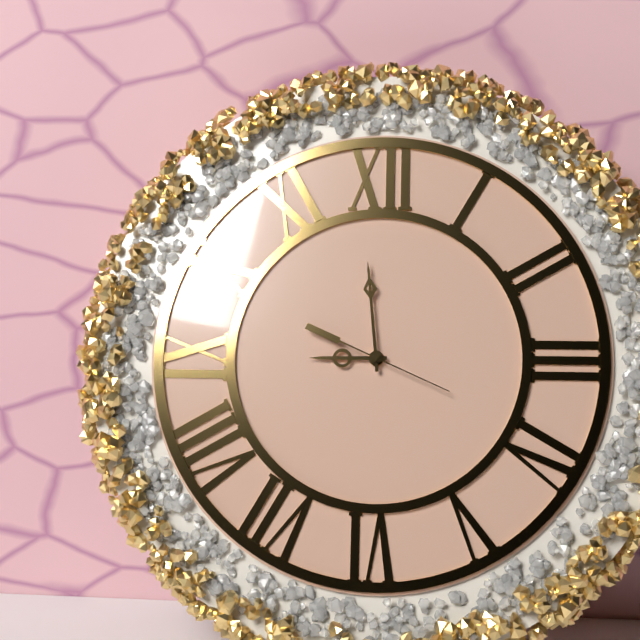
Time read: 8h59m19s
